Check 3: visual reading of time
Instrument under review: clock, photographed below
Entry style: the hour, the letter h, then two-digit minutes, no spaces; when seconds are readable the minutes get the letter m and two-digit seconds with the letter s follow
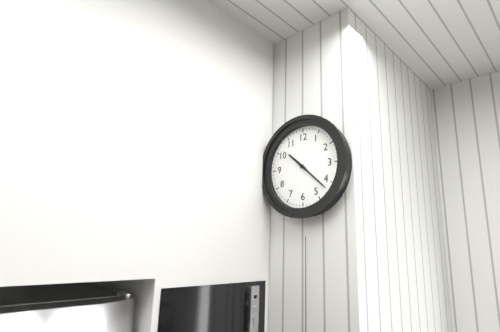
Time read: 10h22
